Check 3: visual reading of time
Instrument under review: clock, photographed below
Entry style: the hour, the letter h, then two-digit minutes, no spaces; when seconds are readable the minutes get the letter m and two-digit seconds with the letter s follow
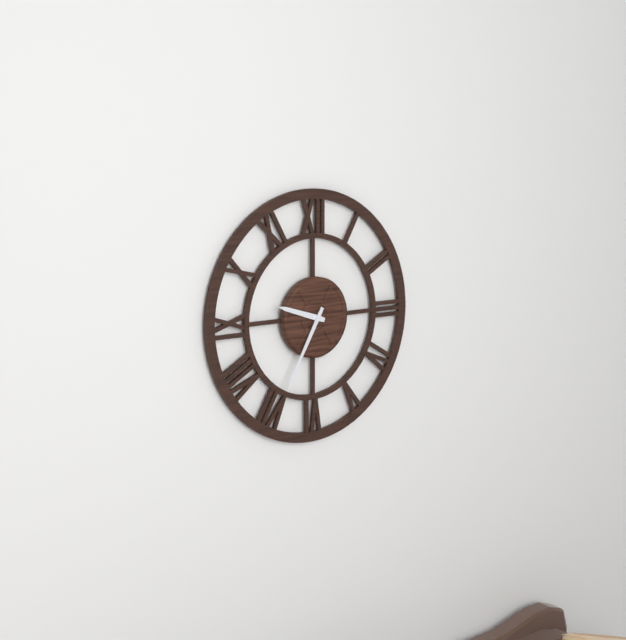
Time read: 9h35
